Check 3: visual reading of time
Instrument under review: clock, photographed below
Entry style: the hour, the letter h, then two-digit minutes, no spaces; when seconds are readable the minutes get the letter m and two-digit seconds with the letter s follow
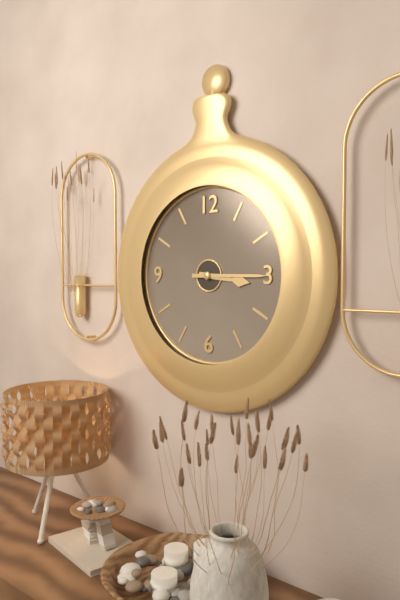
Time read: 3h15
